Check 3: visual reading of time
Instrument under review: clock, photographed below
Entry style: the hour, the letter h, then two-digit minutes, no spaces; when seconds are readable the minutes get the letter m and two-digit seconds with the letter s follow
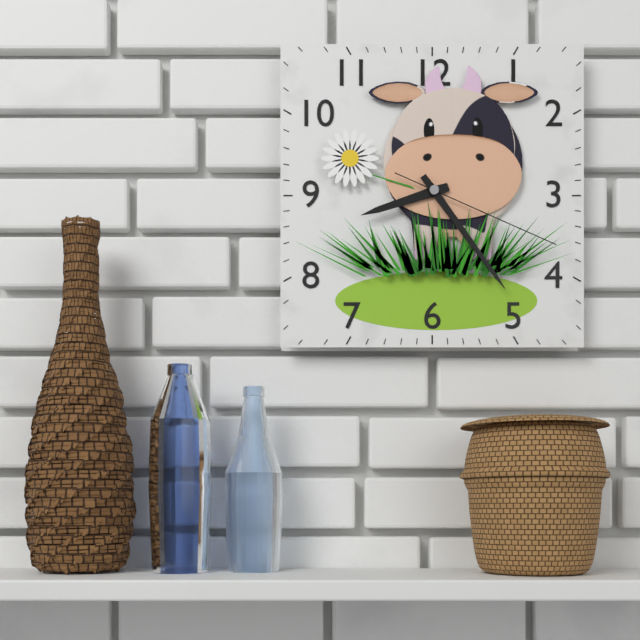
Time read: 8h24m19s
